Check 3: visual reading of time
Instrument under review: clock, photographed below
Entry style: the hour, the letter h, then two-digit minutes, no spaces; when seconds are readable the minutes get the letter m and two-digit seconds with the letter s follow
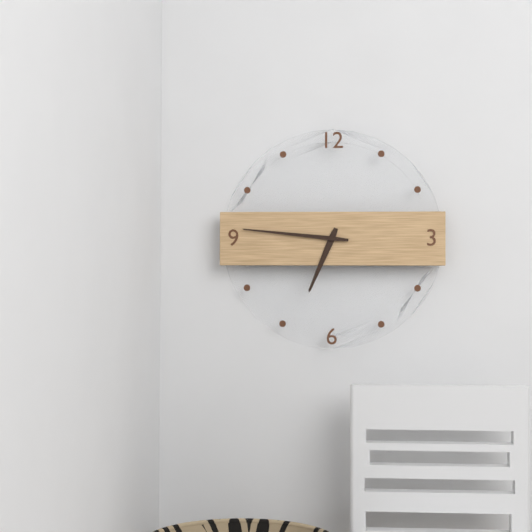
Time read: 6h46
